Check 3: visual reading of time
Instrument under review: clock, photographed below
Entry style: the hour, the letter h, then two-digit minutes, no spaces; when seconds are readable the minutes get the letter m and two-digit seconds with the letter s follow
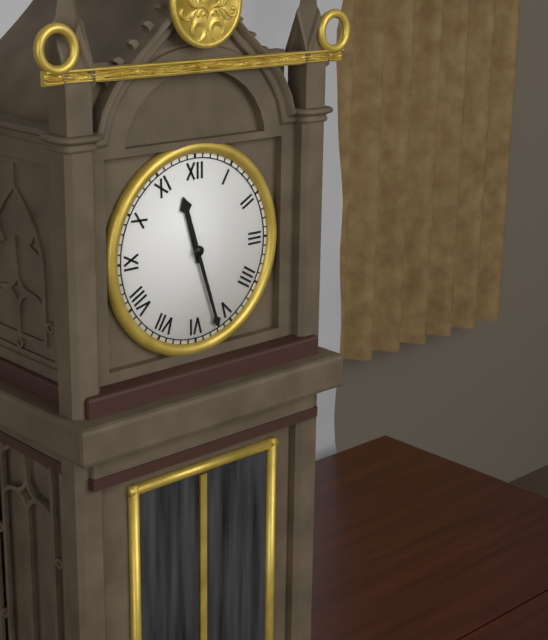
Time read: 11h27
